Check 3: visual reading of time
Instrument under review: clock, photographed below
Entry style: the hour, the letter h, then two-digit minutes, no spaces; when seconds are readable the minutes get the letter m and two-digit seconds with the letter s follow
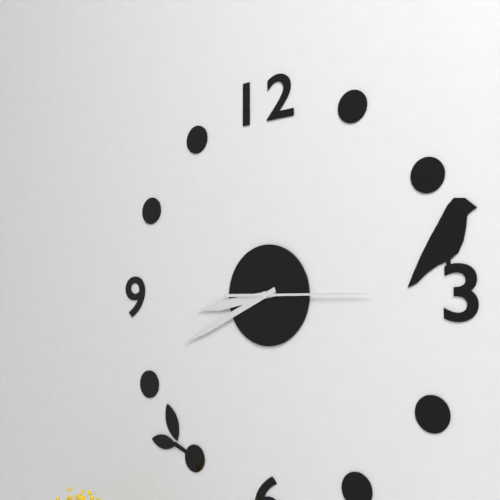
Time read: 8h41m15s
